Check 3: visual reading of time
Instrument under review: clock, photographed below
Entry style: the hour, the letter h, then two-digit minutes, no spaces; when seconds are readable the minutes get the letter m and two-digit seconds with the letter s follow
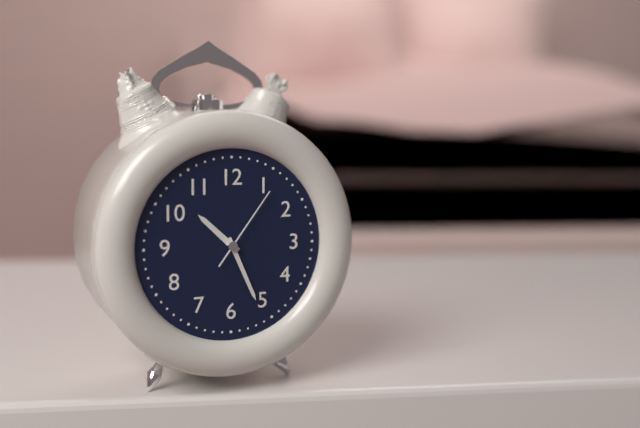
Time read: 10h26m06s
